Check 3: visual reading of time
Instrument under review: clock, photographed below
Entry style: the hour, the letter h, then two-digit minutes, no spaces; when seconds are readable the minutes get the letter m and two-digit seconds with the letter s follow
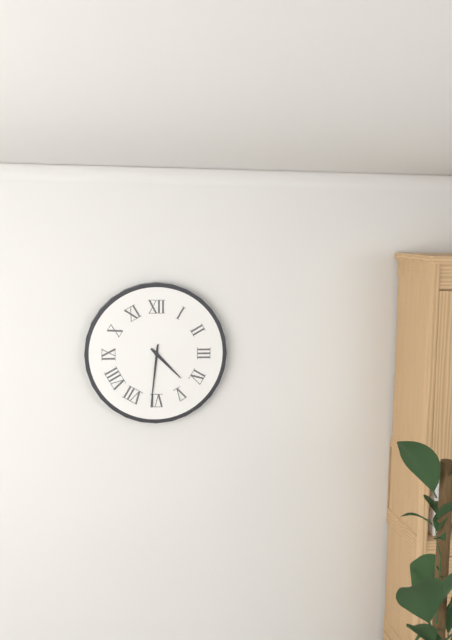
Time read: 4h31
